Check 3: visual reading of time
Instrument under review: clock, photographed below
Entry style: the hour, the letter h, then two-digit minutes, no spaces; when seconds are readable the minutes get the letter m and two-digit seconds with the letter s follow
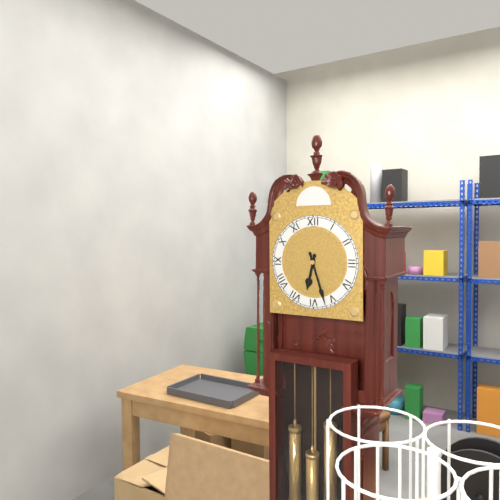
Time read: 6h27
